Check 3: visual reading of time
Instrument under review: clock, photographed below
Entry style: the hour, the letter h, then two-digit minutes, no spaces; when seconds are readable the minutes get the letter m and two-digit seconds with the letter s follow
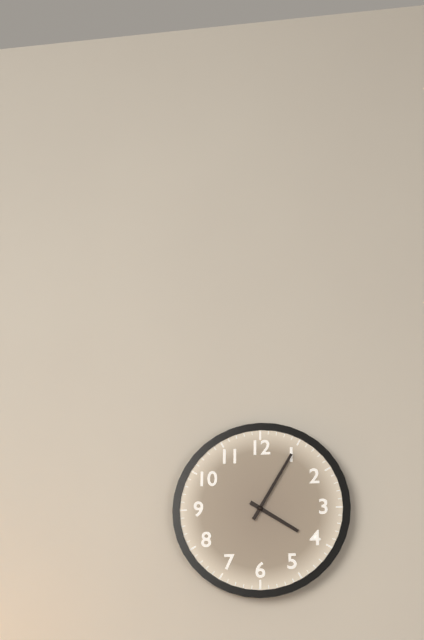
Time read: 4h05
